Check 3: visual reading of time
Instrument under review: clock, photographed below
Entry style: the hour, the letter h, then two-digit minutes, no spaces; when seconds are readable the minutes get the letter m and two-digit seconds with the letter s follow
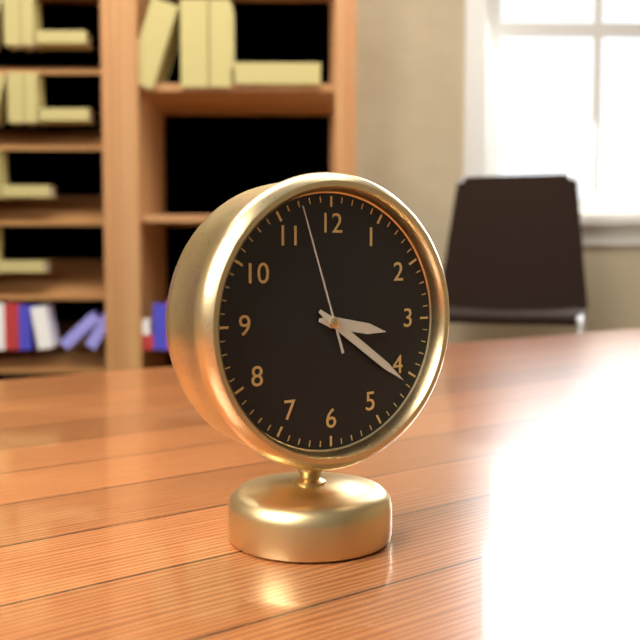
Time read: 3h21m57s
